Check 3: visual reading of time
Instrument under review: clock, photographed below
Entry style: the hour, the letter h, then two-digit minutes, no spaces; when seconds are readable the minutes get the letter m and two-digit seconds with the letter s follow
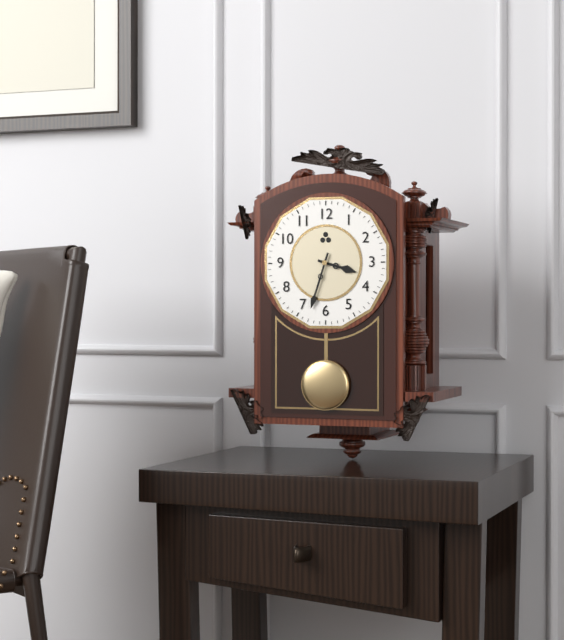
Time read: 3h33
